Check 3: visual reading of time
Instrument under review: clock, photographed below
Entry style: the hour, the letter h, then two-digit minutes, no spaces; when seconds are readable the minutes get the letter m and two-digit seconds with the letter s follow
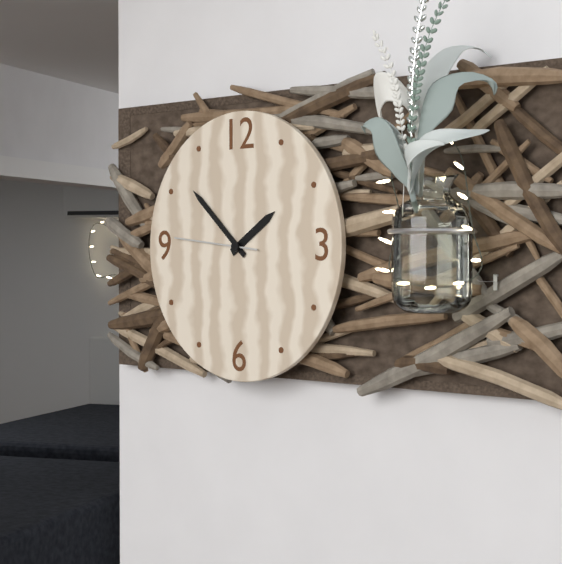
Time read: 1h52m46s
